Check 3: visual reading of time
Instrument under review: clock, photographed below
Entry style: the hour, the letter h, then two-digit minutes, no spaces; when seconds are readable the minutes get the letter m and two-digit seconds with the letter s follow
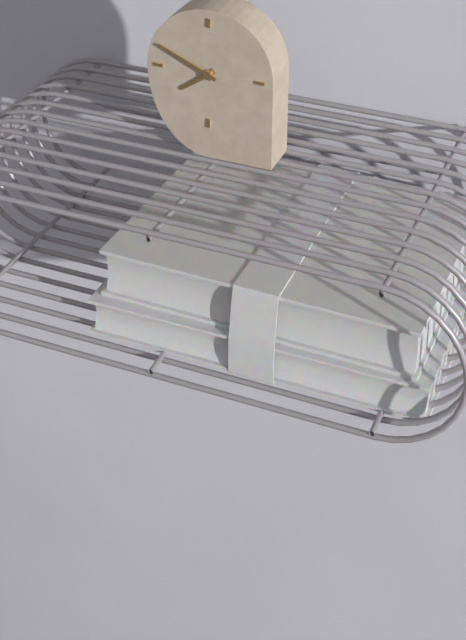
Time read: 7h49
